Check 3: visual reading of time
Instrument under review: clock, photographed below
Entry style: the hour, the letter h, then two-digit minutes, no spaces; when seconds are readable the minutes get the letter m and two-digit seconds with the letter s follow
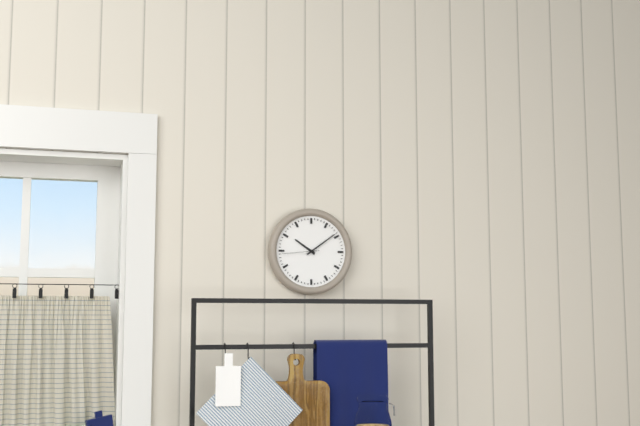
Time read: 10h09
